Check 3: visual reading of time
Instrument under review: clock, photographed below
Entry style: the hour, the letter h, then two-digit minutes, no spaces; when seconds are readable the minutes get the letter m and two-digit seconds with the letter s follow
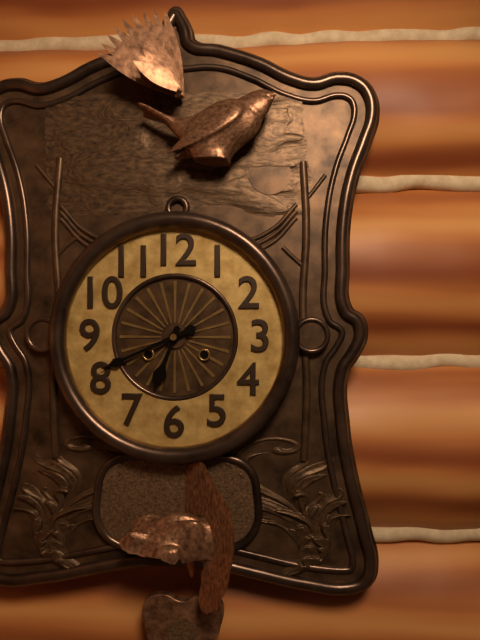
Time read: 6h41
